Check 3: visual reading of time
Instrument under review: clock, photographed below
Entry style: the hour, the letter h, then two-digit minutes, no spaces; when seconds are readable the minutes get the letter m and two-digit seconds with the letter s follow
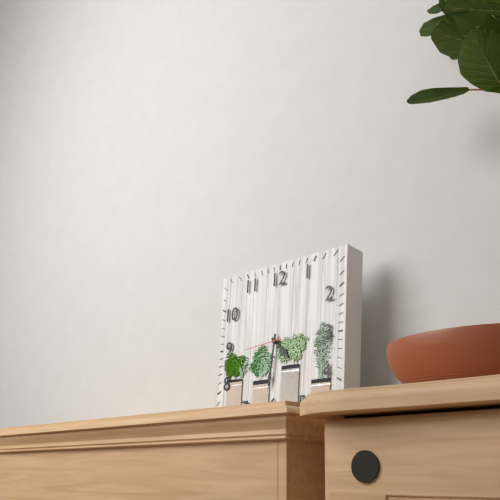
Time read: 4h31
